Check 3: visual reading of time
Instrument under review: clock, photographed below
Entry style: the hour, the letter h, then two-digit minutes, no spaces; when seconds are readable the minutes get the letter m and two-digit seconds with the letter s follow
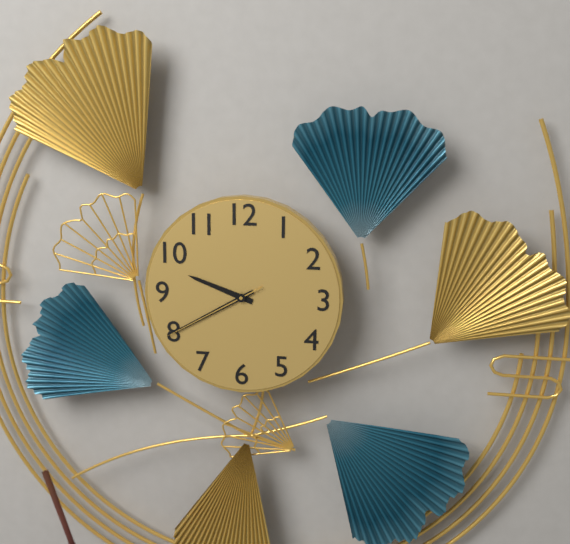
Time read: 9h40m40s
